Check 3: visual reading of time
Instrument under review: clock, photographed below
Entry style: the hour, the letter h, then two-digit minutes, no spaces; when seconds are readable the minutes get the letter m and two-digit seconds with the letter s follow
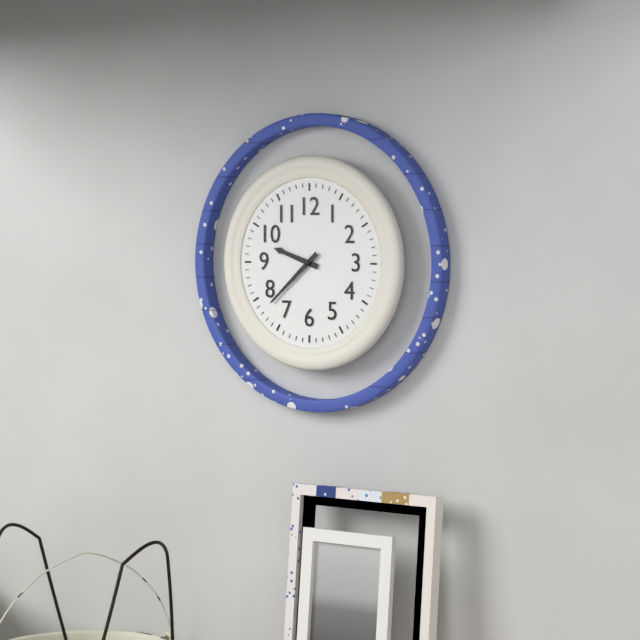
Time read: 9h38
